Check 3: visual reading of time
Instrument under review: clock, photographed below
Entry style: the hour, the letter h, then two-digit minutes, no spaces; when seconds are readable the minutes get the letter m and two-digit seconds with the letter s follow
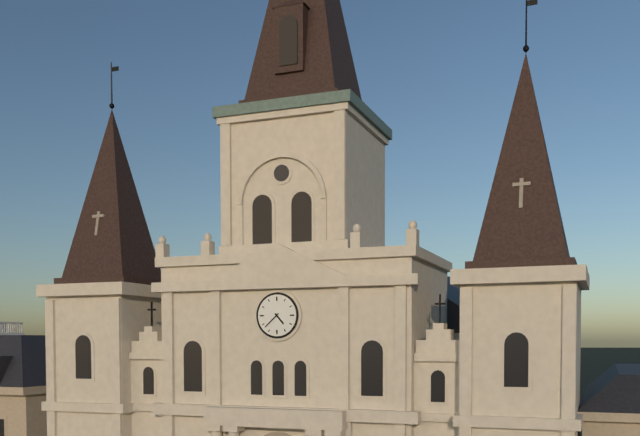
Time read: 4h38
